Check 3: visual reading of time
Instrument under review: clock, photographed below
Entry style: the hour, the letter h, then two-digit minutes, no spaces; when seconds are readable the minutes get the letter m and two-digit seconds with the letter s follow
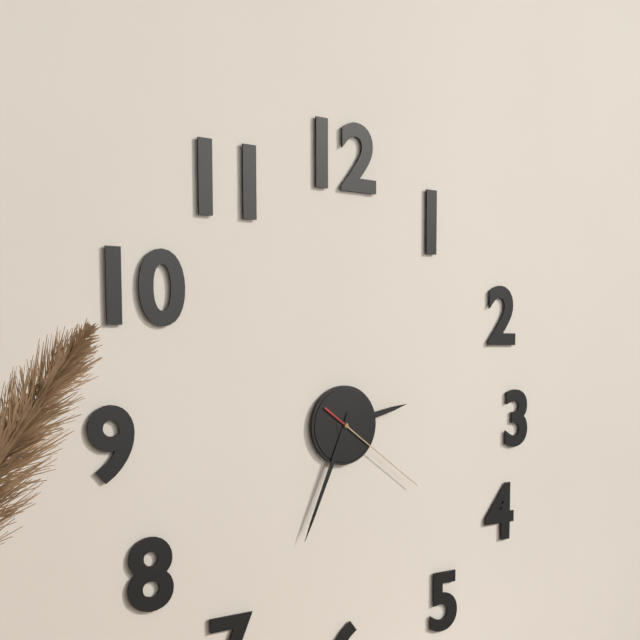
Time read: 2h34m21s
